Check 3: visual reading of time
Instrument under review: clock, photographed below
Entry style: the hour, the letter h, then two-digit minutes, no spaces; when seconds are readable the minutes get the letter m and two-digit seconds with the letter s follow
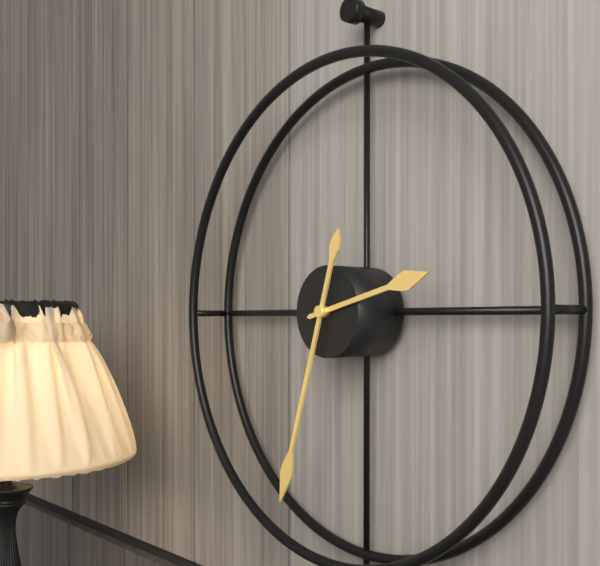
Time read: 2h33
